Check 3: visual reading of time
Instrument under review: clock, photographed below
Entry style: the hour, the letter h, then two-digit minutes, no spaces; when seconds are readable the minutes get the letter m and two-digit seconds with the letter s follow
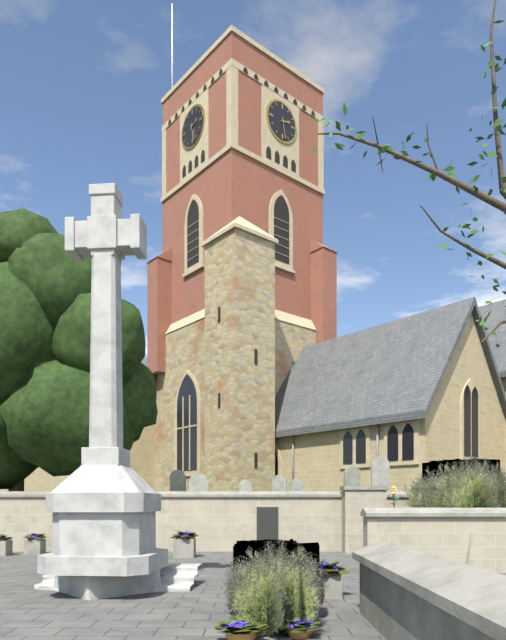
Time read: 2h28
